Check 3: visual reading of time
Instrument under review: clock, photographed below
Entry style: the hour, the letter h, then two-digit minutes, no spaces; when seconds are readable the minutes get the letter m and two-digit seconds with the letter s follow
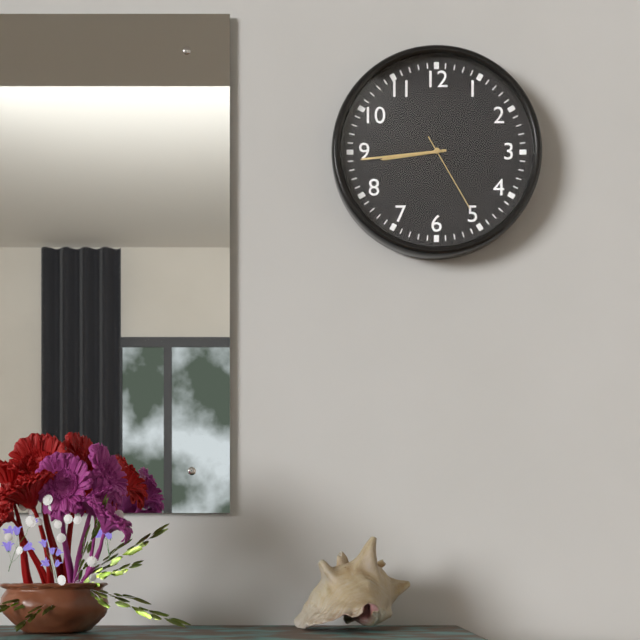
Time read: 8h44m25s
